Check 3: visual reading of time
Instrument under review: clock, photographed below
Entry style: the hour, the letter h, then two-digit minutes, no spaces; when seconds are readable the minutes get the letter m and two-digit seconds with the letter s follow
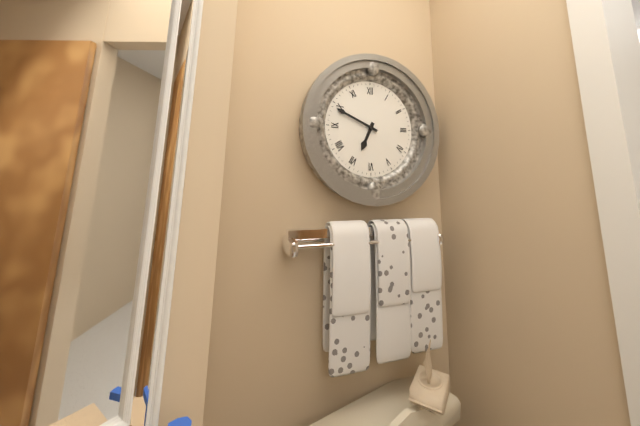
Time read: 6h49
